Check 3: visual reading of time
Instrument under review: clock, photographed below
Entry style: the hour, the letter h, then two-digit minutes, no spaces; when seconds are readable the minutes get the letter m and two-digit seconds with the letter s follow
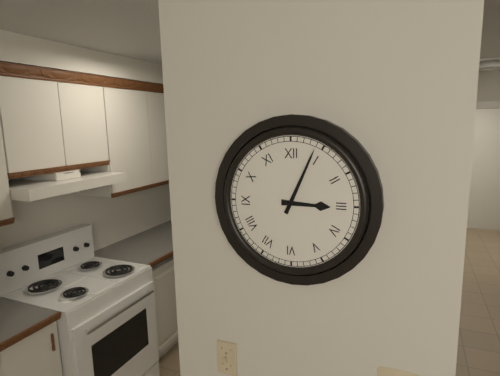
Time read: 3h04
